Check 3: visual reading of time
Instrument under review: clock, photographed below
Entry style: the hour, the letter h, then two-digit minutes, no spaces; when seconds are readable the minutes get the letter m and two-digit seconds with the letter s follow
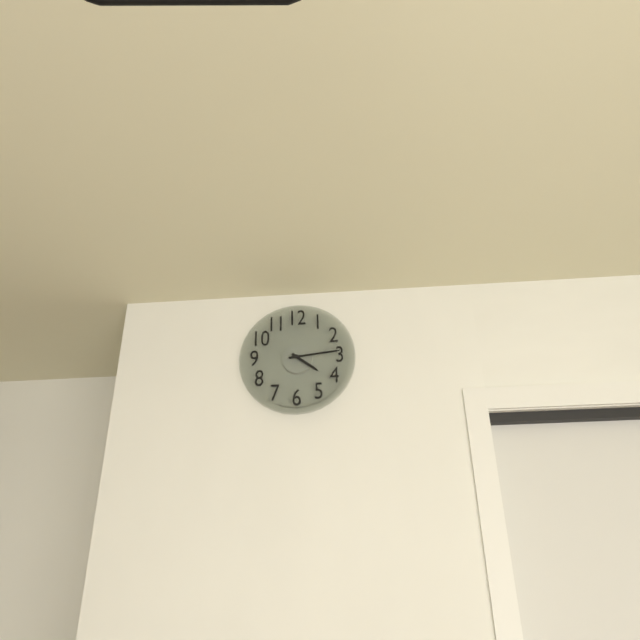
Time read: 4h14
